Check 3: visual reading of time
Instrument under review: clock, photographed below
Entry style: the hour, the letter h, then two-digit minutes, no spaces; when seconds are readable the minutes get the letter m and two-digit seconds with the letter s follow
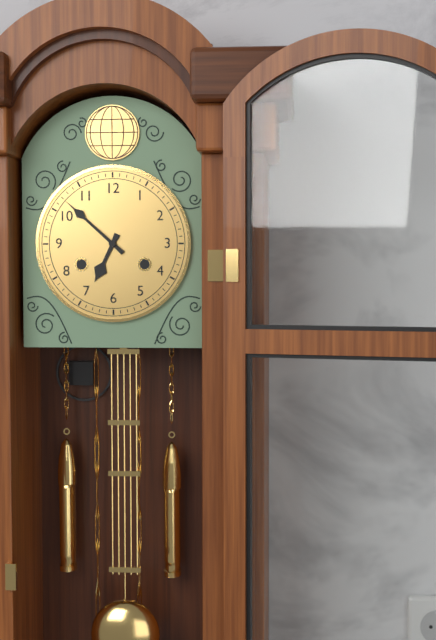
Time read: 6h52
